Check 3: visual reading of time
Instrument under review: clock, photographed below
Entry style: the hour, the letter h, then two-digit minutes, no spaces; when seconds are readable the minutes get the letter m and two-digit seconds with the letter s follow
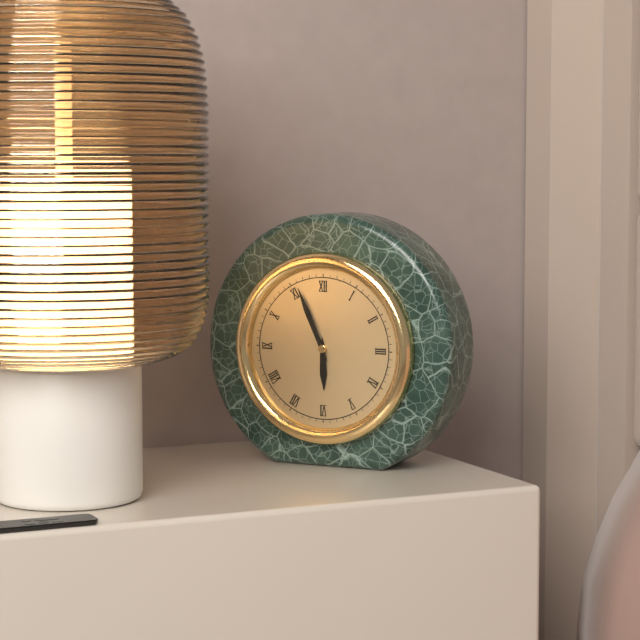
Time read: 5h56
